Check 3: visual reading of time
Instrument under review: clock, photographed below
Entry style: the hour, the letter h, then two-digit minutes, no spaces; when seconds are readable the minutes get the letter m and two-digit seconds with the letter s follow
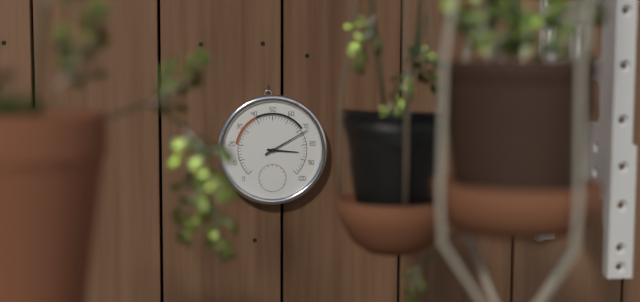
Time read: 3h10
